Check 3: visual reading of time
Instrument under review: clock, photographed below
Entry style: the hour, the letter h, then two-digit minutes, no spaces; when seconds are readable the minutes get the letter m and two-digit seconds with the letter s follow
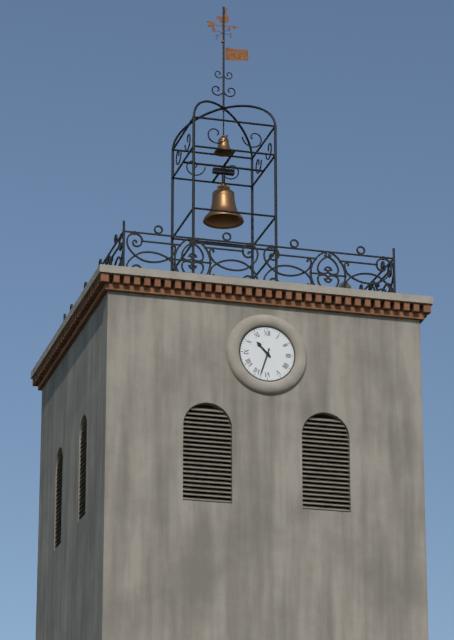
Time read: 10h33
